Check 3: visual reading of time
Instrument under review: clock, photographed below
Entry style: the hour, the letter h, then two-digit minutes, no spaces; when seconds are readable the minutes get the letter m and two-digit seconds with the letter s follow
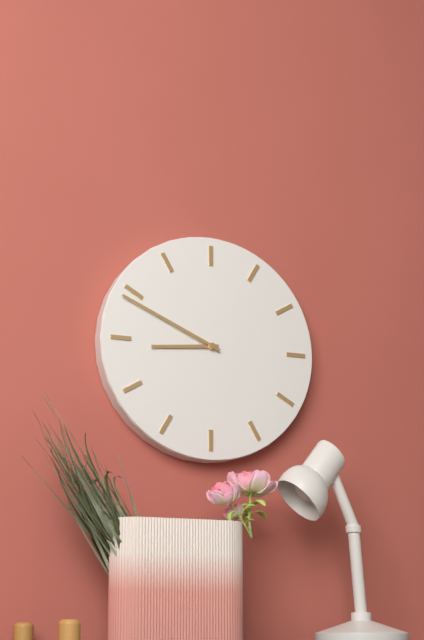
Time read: 8h49
